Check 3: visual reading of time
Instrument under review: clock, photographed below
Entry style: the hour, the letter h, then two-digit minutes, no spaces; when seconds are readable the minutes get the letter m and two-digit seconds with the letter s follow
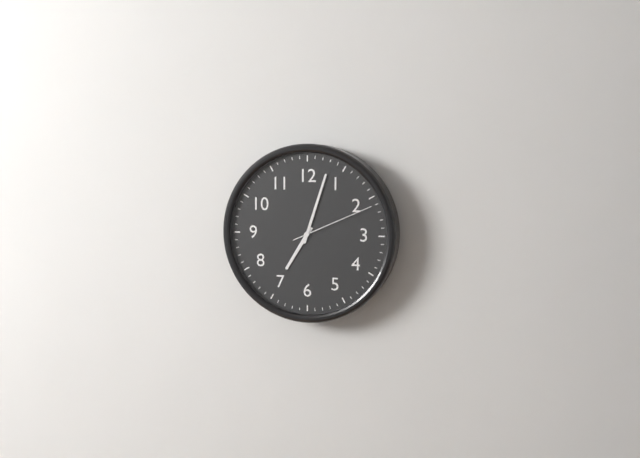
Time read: 7h03m11s
